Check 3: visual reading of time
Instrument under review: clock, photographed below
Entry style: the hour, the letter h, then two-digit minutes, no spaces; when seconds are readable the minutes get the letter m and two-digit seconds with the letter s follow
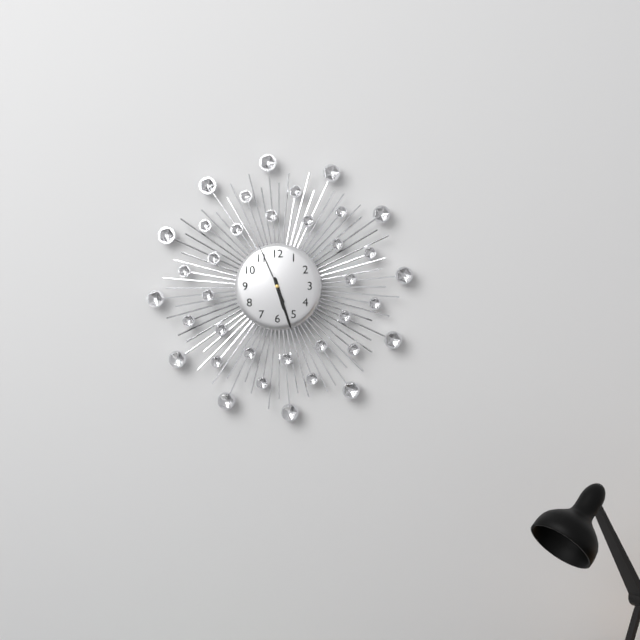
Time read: 5h27m56s
